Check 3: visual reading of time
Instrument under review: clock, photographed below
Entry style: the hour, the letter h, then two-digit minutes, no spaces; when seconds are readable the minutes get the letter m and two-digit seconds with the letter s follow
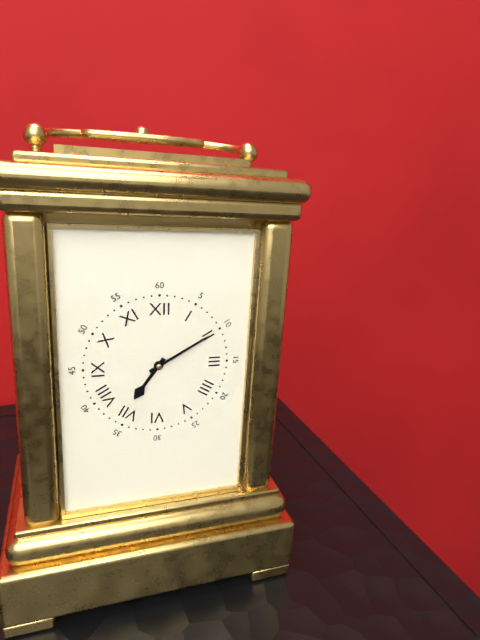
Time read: 7h10
